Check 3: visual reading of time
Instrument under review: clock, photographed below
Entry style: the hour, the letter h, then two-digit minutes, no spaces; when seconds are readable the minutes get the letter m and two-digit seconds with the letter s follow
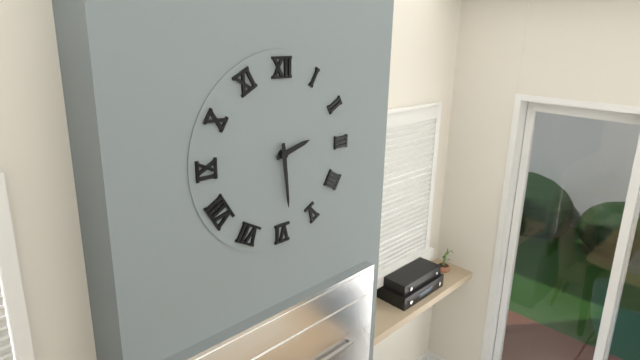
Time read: 2h29
